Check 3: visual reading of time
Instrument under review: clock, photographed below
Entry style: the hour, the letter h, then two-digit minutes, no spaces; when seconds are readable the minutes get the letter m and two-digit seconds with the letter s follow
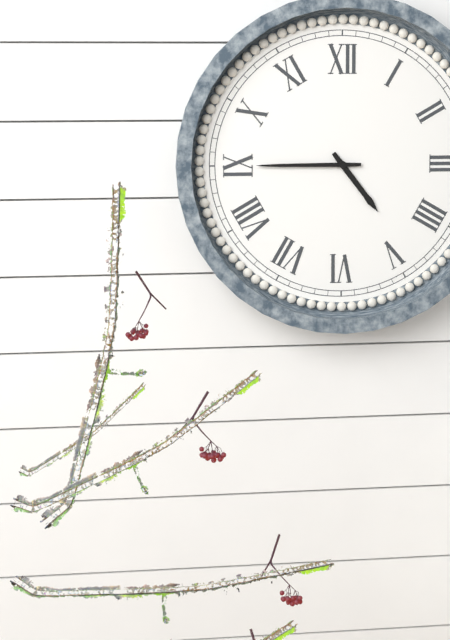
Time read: 4h45
